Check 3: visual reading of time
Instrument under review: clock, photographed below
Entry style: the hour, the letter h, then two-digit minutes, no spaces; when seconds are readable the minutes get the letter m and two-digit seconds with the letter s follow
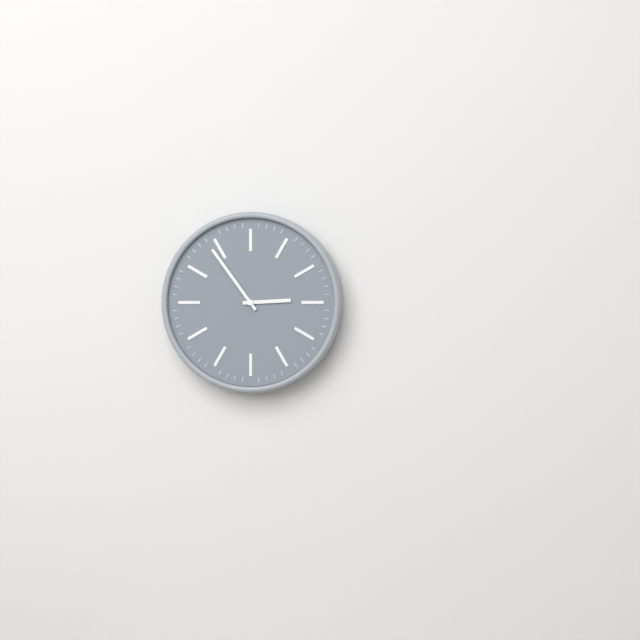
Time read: 2h54
